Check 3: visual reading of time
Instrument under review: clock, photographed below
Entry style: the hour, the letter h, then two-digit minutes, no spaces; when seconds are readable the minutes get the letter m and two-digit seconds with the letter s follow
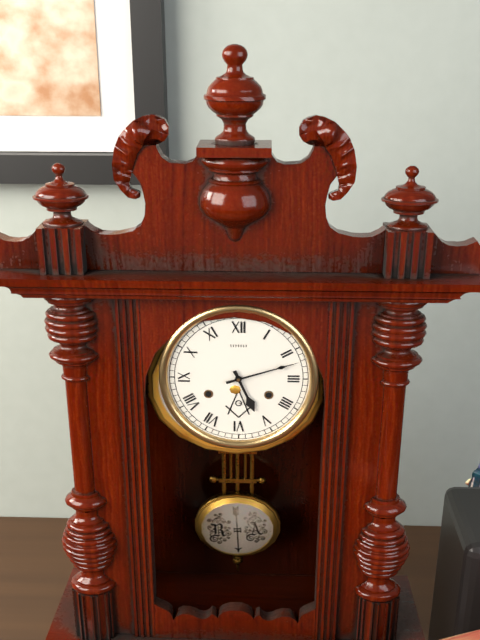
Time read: 5h12
